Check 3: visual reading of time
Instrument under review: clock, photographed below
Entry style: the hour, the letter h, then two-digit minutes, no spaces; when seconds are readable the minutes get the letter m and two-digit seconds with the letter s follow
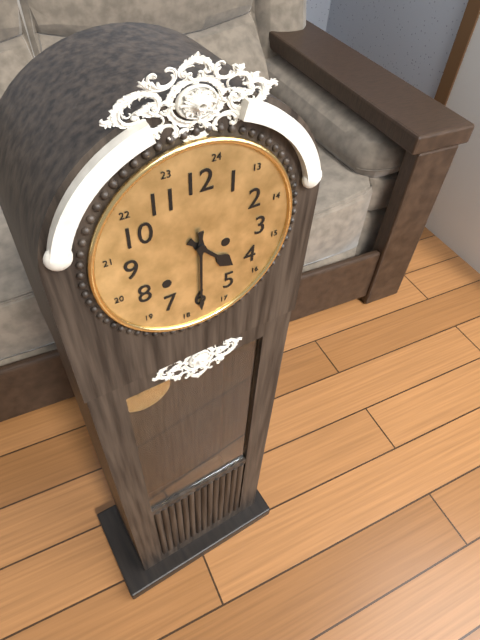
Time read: 4h30
